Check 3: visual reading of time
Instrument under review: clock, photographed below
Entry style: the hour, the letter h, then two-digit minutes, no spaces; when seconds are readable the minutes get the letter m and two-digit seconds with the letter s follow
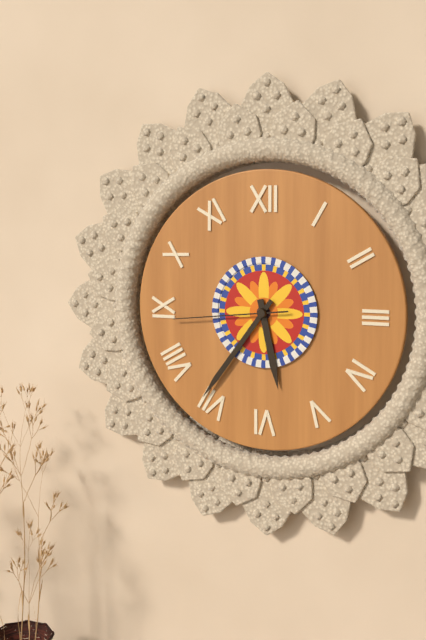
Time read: 5h36m44s
